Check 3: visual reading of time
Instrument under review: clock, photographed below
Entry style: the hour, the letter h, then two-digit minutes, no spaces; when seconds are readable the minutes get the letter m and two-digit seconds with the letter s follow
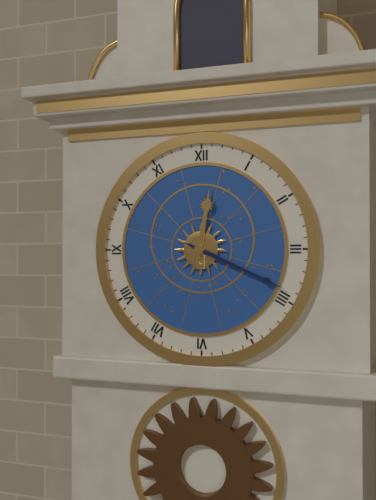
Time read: 12h19
